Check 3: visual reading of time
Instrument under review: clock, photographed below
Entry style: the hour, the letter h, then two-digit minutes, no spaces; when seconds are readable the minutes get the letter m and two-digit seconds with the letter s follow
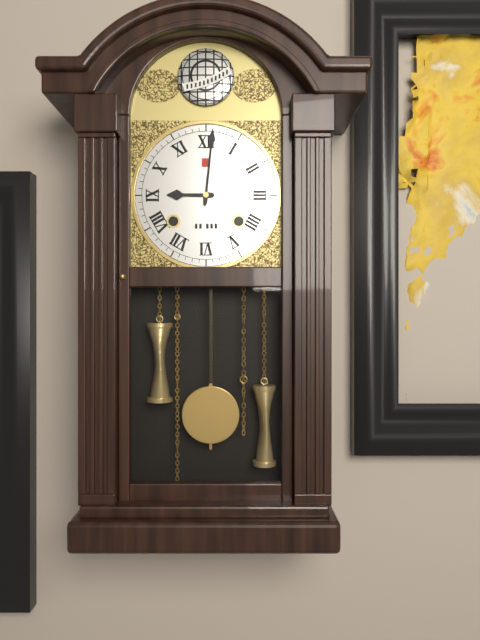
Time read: 9h01
